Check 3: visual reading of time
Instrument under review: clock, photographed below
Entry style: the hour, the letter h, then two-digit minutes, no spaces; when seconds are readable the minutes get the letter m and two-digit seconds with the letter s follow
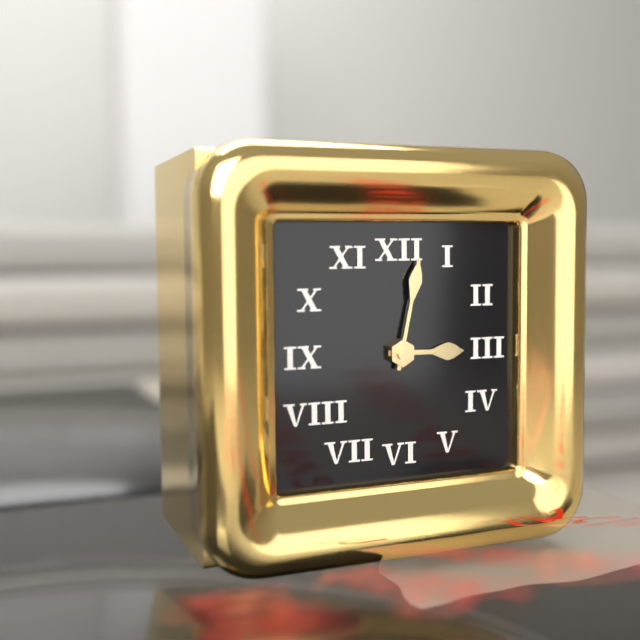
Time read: 3h02
